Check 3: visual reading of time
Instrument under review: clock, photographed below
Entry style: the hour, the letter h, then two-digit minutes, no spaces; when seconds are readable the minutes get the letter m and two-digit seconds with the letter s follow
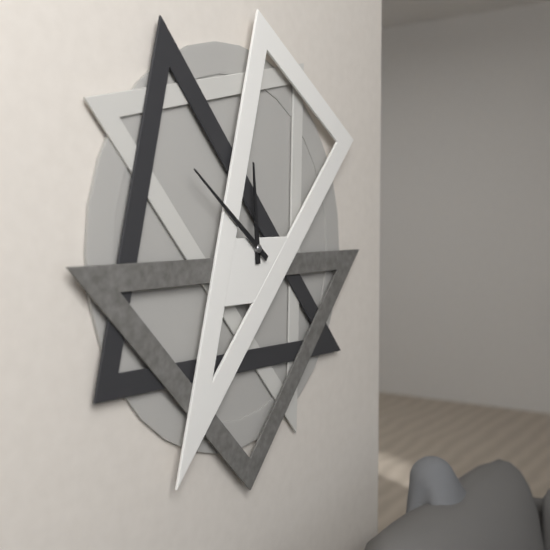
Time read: 11h51
